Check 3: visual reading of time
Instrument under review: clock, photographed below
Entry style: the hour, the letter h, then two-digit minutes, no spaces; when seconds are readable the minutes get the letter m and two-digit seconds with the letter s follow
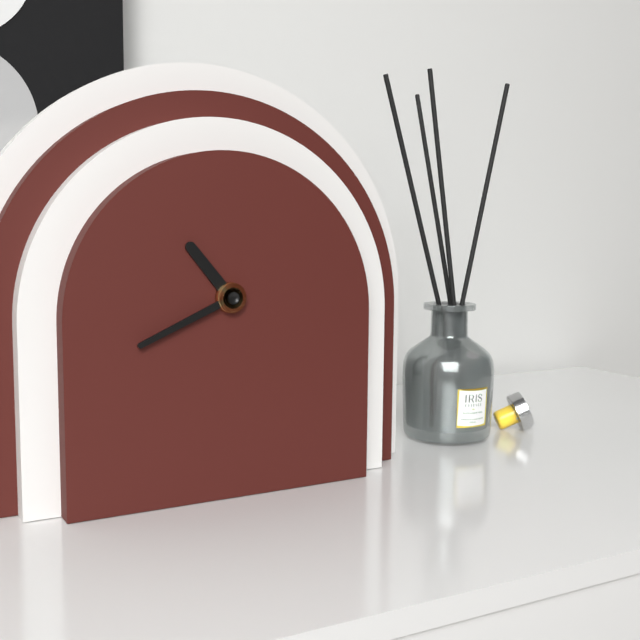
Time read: 10h41
